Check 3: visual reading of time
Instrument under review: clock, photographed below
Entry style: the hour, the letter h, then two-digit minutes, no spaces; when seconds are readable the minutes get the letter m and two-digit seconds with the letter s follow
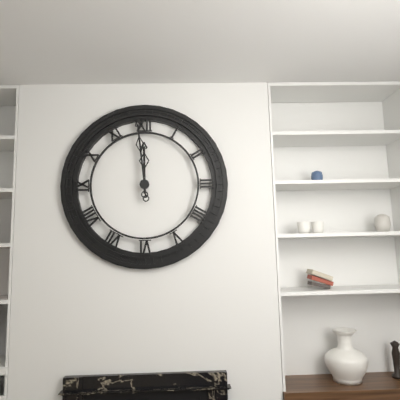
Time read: 11h59
